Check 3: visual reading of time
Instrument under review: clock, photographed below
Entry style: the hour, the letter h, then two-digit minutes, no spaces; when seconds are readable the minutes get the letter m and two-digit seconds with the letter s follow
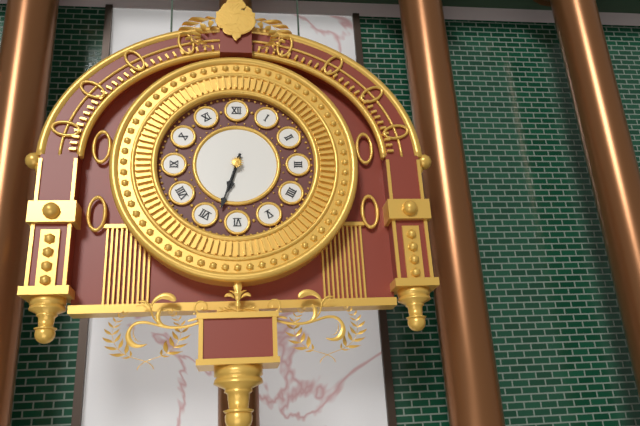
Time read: 6h33
